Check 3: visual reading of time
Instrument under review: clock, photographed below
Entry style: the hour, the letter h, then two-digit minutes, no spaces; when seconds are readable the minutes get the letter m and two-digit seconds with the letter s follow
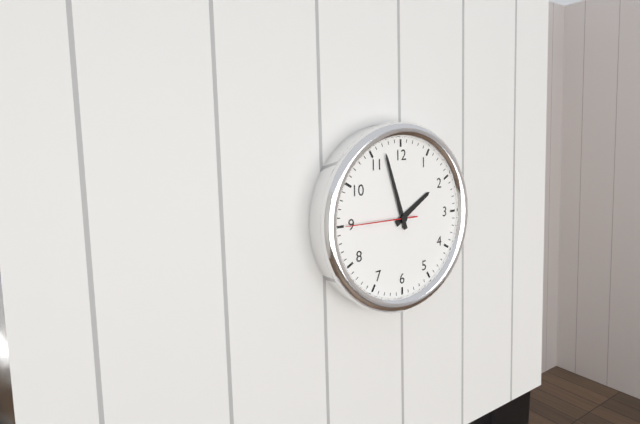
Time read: 1h57m45s
